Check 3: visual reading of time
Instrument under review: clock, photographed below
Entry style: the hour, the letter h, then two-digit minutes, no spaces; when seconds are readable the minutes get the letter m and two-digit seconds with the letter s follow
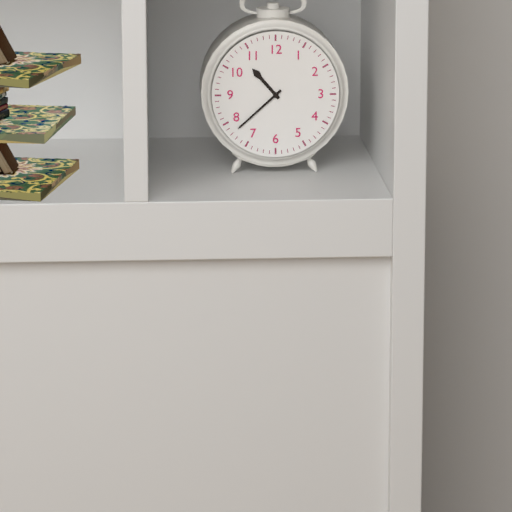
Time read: 10h38
